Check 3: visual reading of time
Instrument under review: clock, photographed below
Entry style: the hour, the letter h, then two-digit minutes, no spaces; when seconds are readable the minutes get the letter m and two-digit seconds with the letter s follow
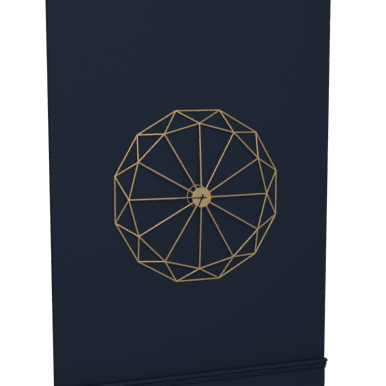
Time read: 6h45
